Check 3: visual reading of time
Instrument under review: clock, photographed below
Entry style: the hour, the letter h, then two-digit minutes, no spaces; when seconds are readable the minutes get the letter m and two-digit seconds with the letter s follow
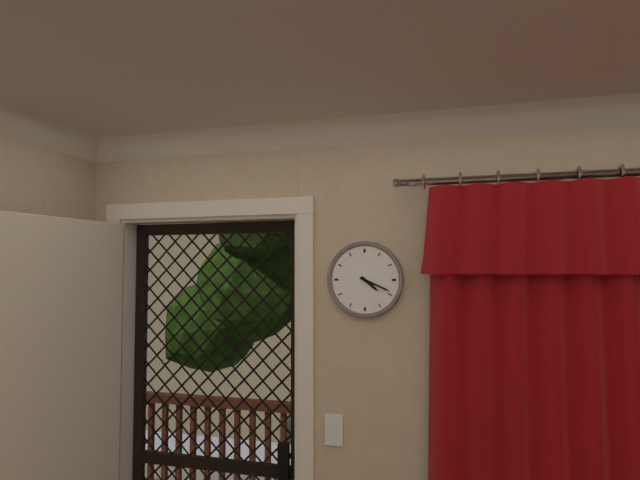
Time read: 4h19
